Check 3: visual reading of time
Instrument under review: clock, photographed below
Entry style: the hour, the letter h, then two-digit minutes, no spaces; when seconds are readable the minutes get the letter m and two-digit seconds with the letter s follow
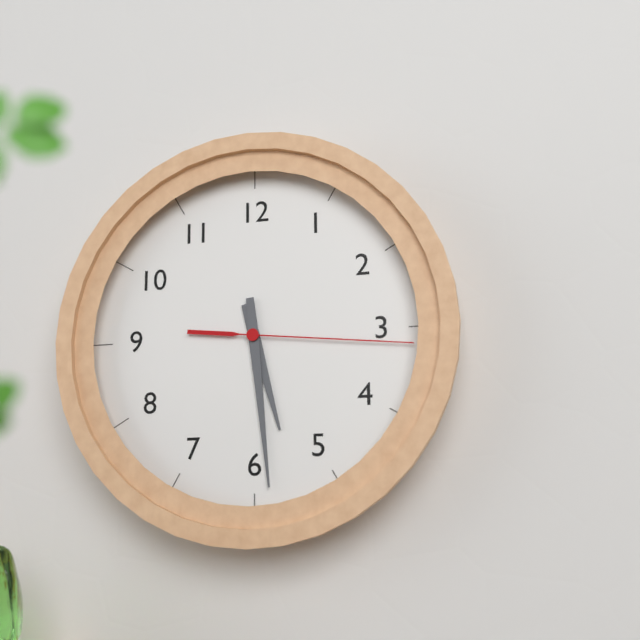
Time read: 5h29m16s
